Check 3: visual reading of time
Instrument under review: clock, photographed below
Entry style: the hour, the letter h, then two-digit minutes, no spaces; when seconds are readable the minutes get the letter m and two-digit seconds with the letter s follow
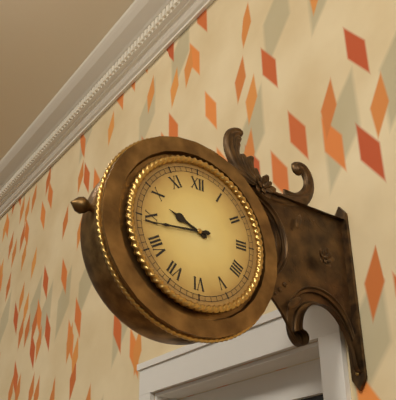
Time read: 9h44
